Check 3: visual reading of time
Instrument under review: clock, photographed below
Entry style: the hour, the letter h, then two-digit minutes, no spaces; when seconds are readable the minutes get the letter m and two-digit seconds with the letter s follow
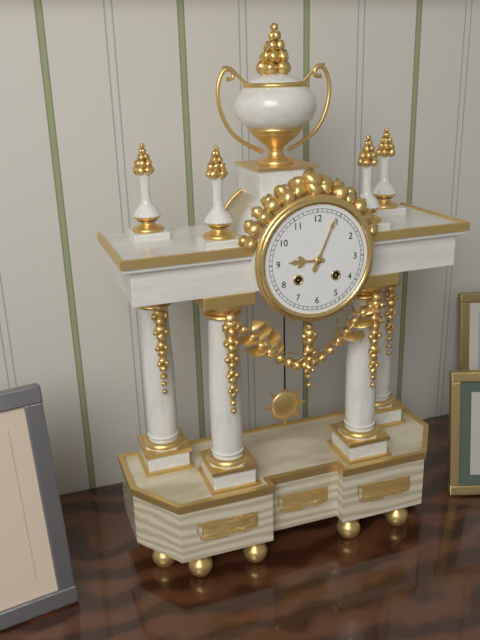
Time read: 9h04
